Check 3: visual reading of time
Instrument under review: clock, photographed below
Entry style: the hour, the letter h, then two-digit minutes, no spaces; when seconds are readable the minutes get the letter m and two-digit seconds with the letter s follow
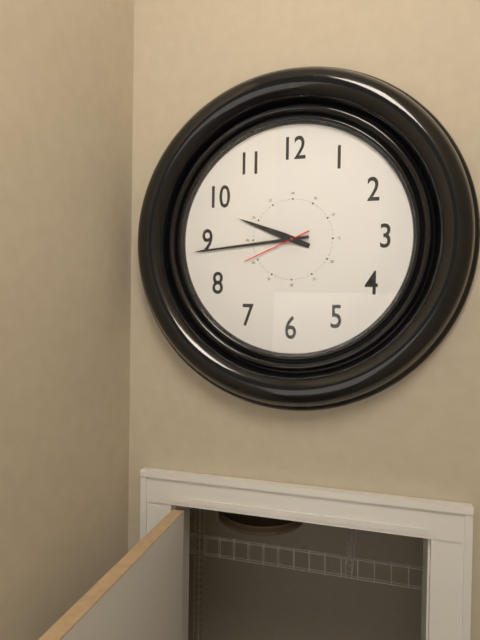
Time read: 9h44m41s
